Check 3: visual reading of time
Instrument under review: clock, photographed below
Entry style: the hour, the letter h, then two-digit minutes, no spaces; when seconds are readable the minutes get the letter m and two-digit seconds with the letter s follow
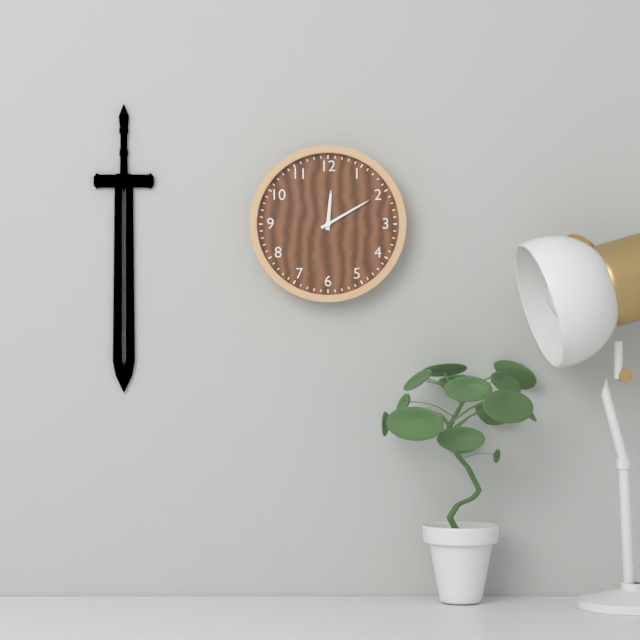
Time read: 12h10
